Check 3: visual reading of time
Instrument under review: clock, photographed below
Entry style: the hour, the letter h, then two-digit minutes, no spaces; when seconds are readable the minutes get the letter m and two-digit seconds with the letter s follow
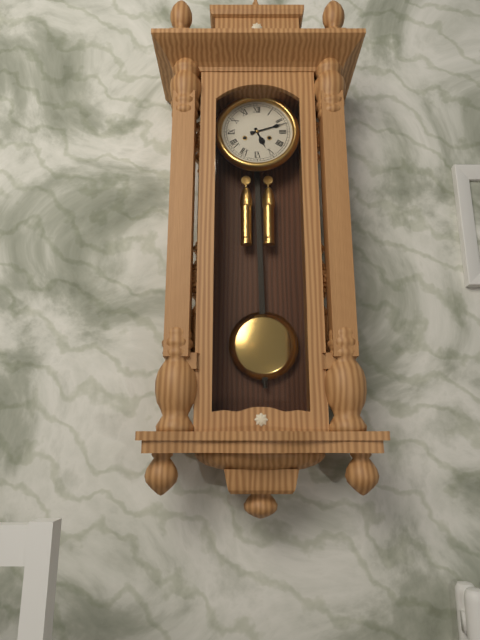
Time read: 5h12
